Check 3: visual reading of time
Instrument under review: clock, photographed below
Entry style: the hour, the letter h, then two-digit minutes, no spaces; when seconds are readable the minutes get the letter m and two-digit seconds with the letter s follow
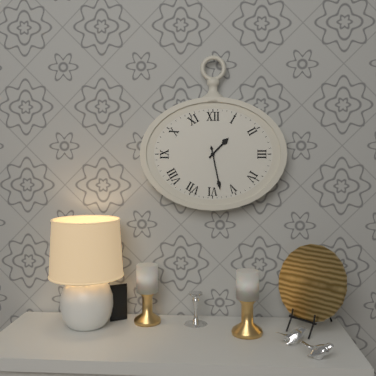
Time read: 1h28
